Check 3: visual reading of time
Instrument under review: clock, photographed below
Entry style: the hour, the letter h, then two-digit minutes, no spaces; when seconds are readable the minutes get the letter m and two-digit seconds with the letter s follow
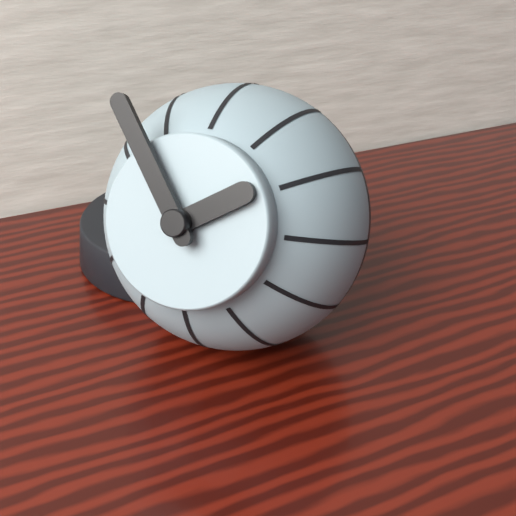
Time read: 1h54
